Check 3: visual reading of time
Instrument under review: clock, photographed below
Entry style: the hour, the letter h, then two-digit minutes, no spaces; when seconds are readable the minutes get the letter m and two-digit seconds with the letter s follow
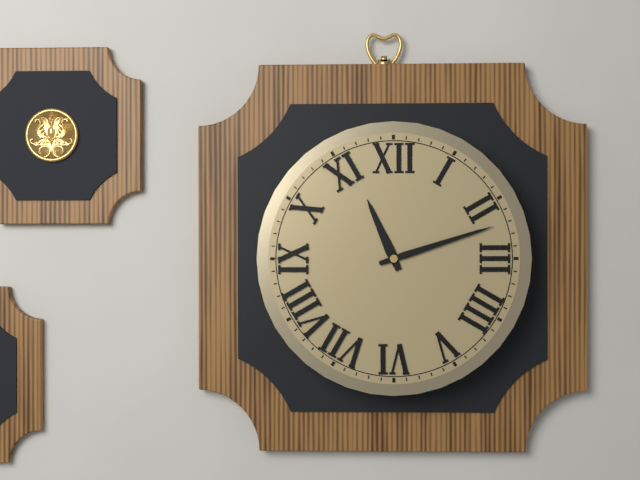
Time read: 11h12
